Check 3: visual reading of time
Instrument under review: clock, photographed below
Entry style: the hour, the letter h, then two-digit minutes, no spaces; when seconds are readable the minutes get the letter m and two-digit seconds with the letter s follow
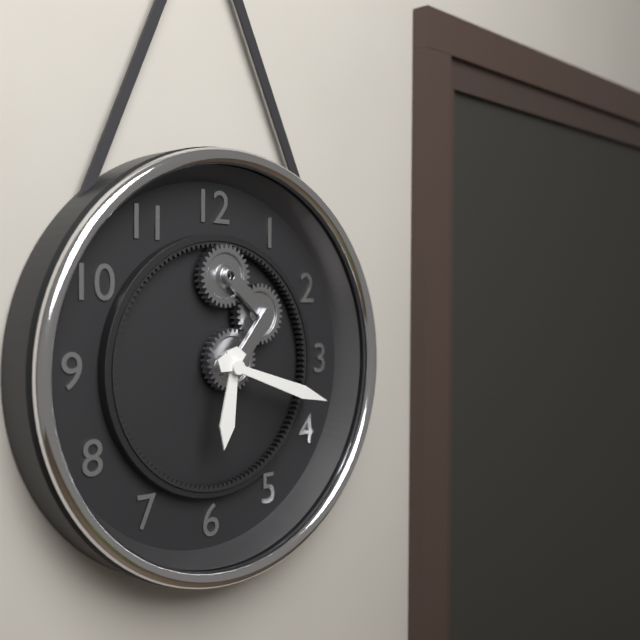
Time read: 6h18
